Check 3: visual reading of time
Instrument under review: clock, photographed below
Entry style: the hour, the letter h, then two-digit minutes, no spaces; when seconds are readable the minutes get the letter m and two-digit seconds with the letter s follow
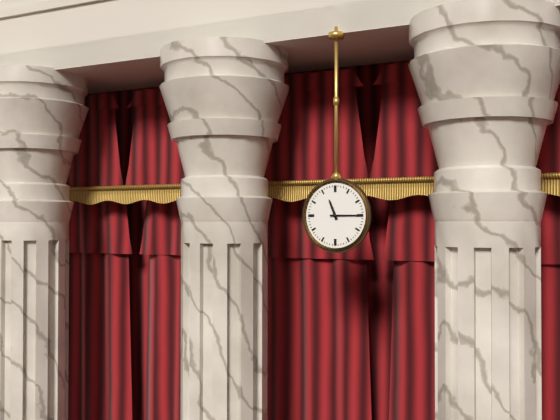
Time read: 11h15
